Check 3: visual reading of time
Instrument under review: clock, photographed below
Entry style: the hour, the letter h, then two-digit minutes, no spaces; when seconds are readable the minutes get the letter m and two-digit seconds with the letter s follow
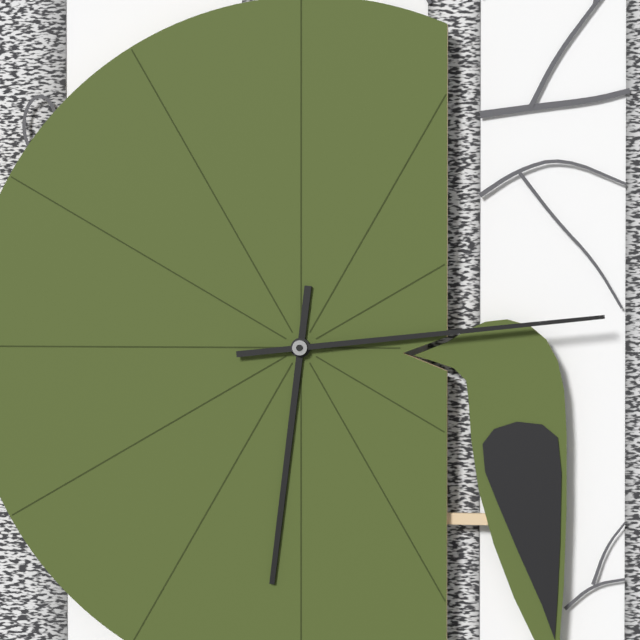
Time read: 6h14
